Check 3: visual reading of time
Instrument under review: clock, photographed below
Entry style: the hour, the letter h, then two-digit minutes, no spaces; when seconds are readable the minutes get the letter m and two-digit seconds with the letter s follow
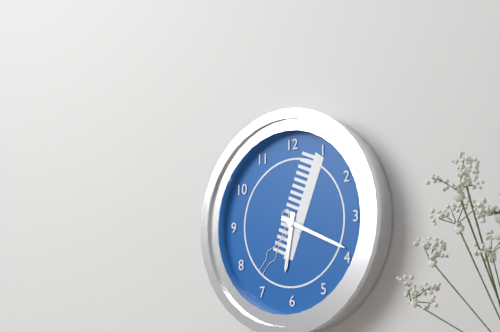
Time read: 6h19
